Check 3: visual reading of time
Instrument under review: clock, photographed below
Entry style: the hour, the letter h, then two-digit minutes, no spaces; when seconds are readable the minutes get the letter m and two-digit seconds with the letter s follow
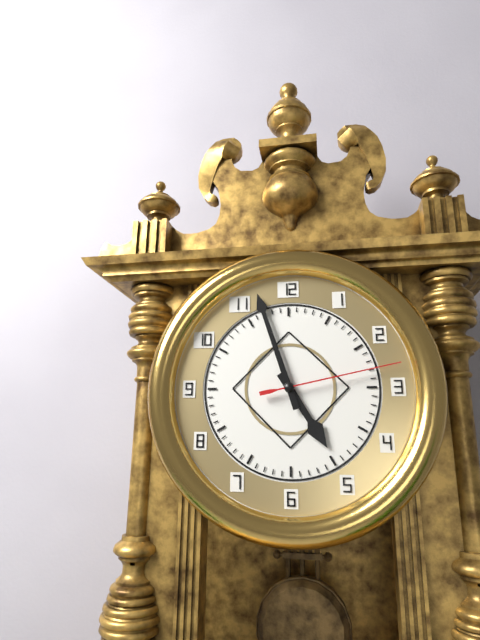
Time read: 4h57m13s
